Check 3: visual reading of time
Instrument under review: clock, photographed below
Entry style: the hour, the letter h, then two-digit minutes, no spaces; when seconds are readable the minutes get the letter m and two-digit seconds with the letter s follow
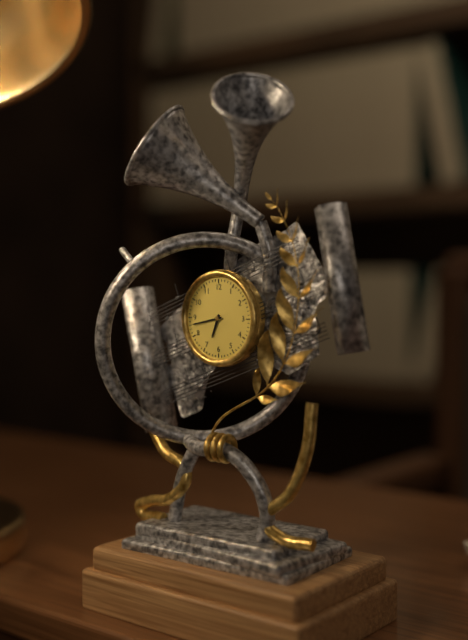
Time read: 6h43
